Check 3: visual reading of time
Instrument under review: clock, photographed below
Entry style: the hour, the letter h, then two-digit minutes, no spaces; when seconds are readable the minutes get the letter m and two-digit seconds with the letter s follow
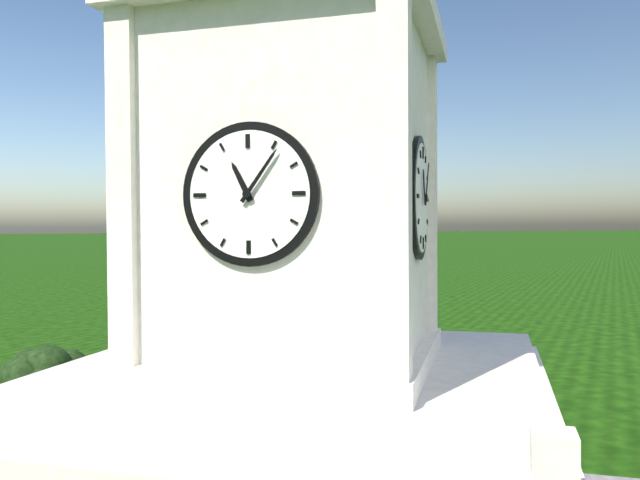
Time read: 11h06
